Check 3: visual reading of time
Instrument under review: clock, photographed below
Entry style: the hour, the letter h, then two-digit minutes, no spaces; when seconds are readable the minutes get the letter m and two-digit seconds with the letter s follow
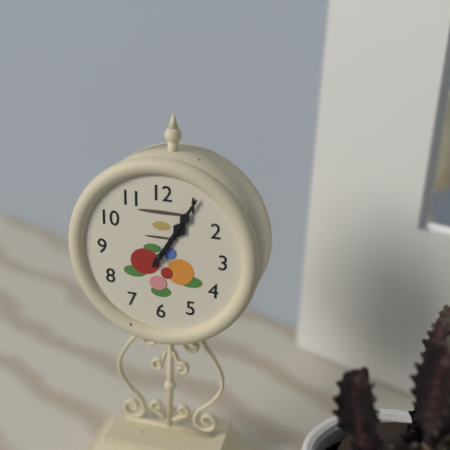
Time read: 1h05
